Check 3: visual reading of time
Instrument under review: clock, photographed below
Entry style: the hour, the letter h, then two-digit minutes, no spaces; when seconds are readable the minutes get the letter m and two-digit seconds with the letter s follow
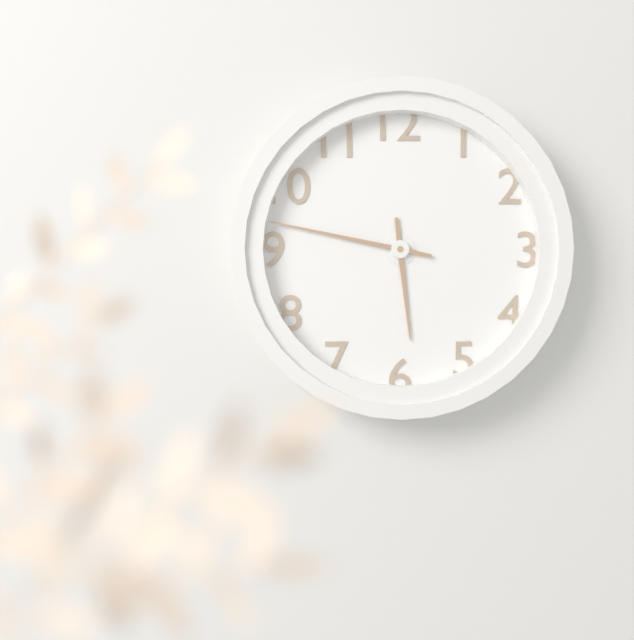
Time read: 5h47
